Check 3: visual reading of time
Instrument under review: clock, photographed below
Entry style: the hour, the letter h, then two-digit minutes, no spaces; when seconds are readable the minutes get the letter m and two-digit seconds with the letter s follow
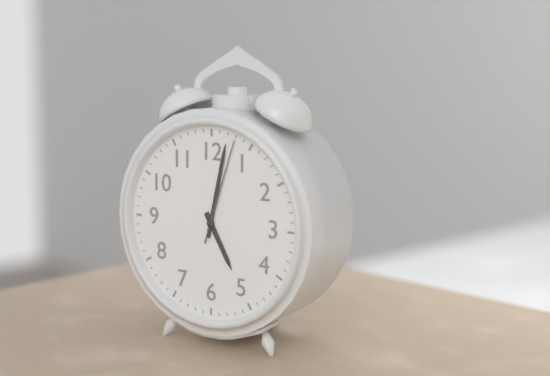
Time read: 5h02m03s
